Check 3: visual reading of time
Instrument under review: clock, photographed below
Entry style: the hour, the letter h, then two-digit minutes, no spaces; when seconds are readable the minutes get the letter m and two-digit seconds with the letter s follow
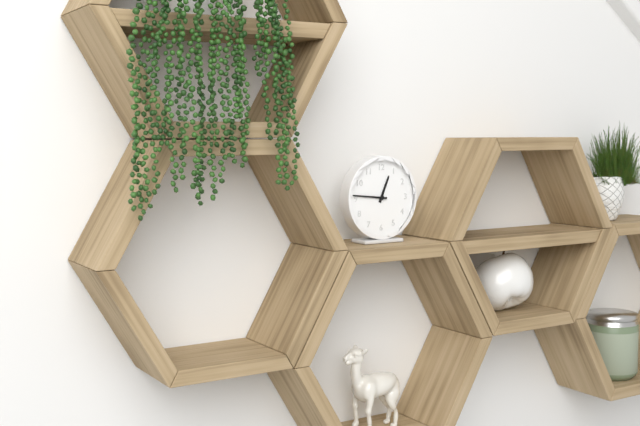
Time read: 12h46
